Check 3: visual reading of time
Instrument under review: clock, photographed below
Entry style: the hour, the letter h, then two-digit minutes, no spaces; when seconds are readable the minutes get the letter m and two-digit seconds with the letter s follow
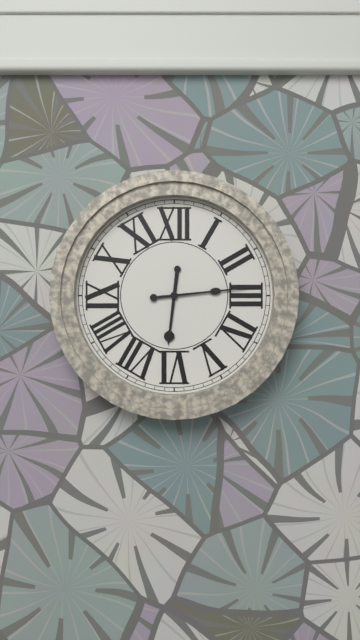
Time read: 6h14
